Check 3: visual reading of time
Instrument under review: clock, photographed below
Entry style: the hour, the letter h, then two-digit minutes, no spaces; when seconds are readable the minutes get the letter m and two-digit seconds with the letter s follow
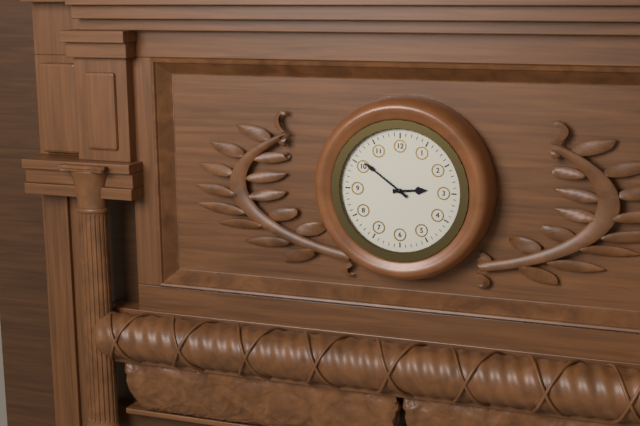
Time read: 2h51
